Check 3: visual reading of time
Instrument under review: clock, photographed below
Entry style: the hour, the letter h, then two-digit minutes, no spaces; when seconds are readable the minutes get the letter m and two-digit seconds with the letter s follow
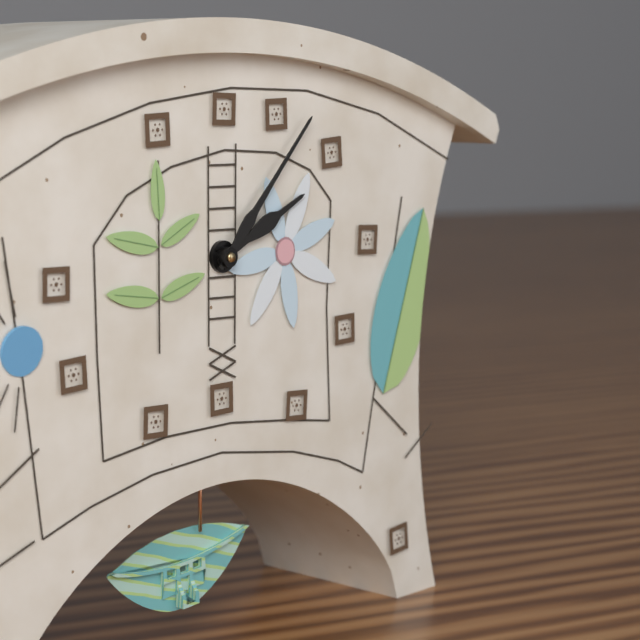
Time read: 2h07
